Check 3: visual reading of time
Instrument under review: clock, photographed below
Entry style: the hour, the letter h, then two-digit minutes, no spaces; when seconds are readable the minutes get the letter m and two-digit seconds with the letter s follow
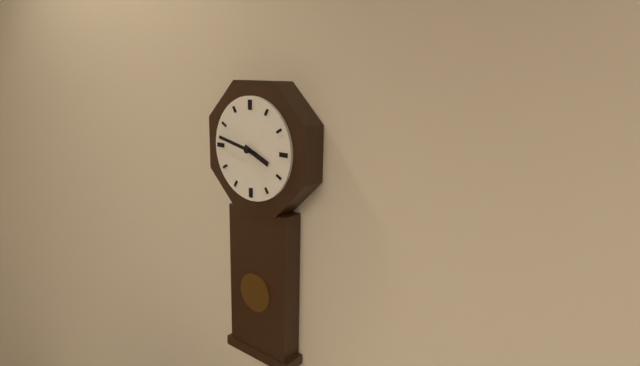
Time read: 3h47
